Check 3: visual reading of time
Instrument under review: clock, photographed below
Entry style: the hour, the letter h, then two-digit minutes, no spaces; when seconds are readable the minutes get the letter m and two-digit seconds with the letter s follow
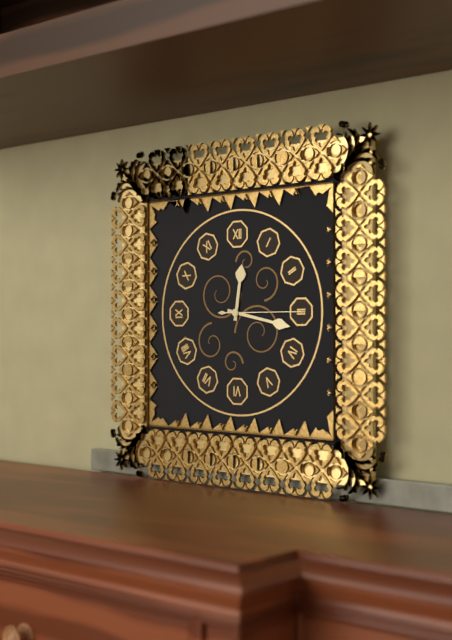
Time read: 12h17m15s
